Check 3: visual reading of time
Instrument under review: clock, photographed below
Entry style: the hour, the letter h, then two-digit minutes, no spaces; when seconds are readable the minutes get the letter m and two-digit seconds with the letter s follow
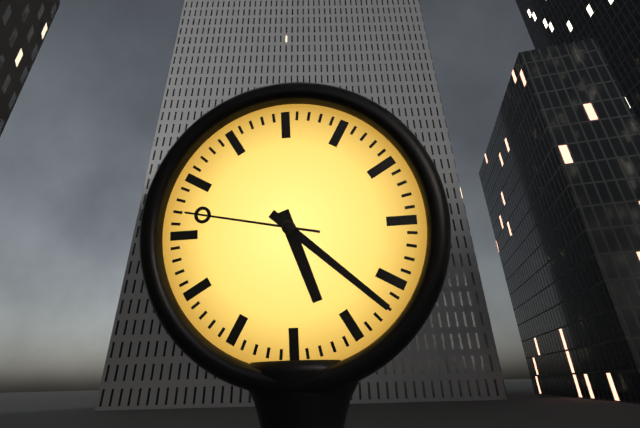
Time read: 5h22m47s
